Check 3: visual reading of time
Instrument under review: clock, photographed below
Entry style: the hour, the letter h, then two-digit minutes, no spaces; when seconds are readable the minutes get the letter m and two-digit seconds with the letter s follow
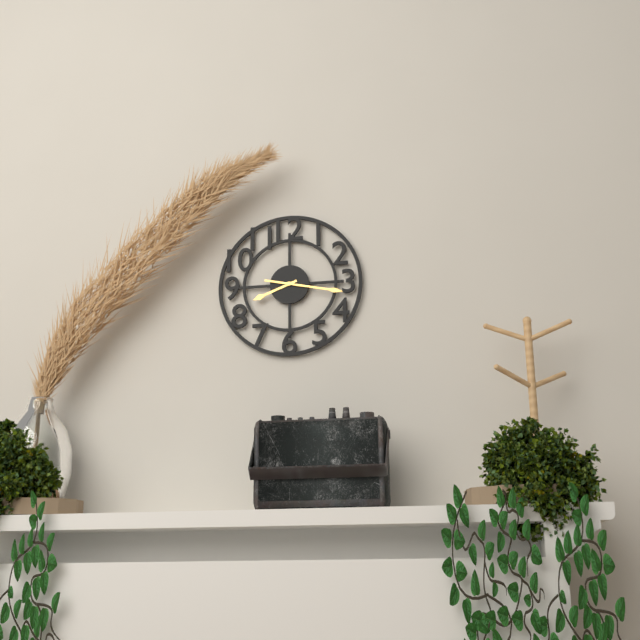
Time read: 8h17
